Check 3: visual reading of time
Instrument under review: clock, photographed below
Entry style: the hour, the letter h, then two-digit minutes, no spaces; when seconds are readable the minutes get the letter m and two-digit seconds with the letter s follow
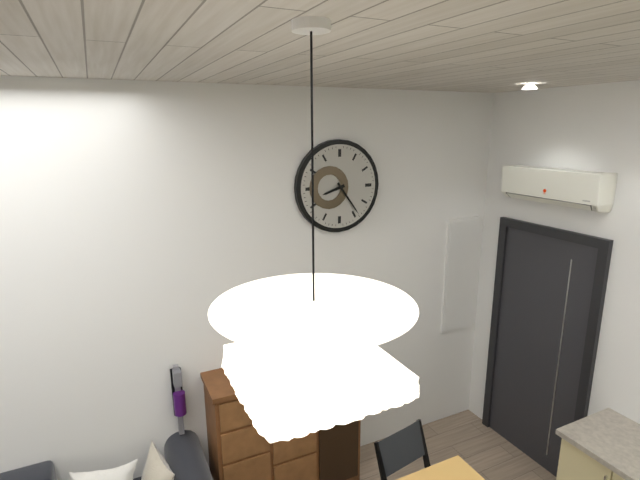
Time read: 8h24
